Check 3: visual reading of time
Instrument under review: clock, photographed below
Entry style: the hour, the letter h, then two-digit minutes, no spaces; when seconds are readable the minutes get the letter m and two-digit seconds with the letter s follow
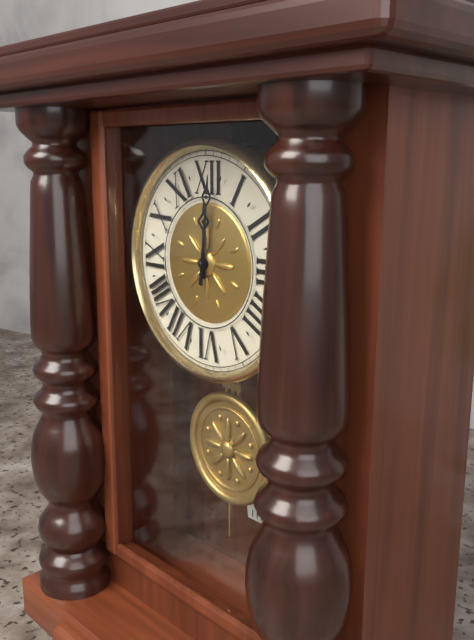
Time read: 12h01
